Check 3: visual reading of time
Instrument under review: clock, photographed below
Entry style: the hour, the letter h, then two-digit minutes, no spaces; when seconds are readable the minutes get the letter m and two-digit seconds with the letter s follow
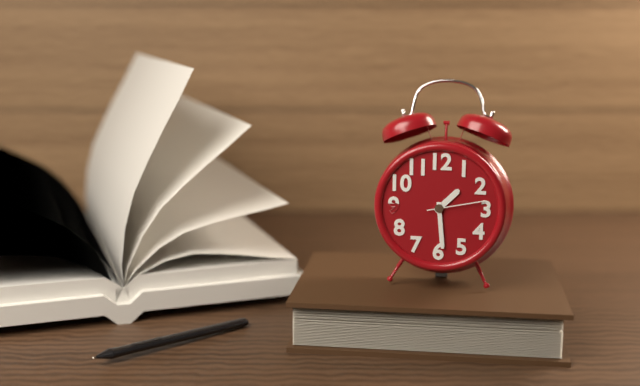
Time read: 1h29m13s
